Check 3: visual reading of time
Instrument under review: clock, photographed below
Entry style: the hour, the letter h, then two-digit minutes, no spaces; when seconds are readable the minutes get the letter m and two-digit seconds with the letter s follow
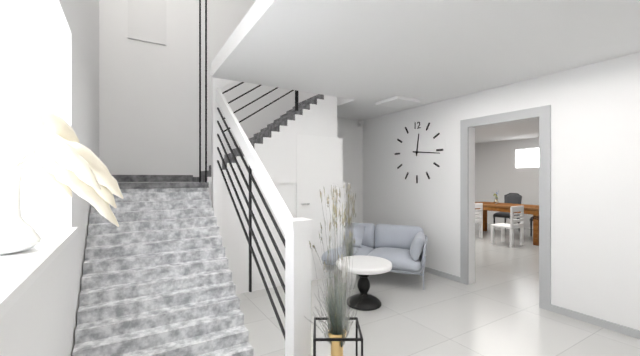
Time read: 12h16
